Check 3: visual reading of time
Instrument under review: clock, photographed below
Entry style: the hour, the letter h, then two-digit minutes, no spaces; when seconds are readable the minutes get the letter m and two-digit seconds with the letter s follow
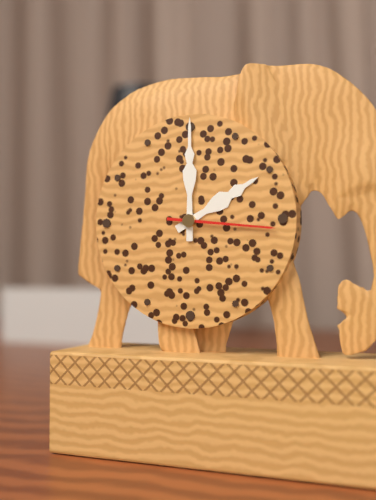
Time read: 2h00m16s
